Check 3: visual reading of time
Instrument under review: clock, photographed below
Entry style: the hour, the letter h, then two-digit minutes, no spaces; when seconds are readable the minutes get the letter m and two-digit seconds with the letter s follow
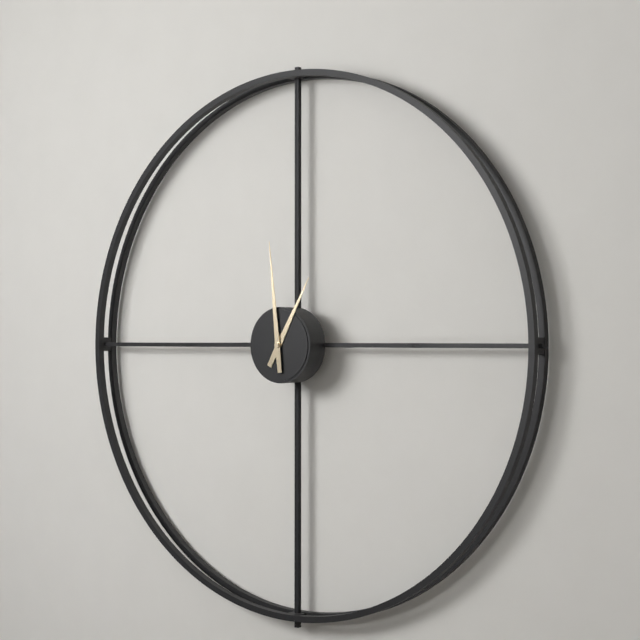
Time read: 12h59
